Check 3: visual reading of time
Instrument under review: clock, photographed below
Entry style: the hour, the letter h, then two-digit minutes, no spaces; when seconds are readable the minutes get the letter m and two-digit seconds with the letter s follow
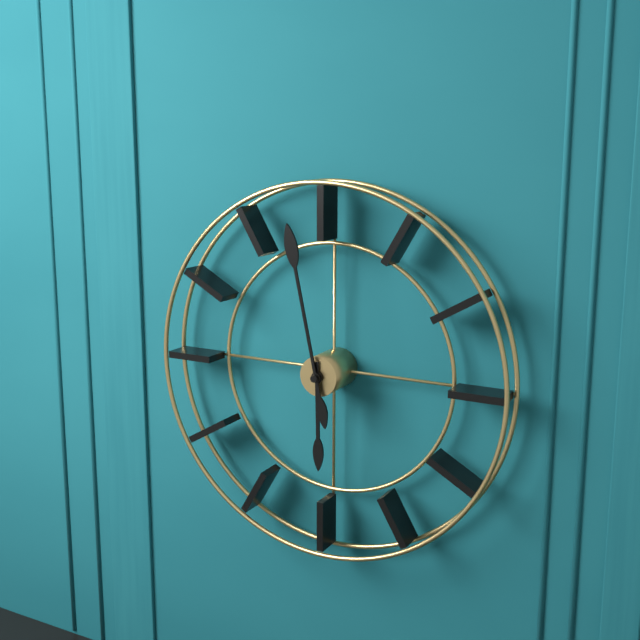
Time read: 5h58
